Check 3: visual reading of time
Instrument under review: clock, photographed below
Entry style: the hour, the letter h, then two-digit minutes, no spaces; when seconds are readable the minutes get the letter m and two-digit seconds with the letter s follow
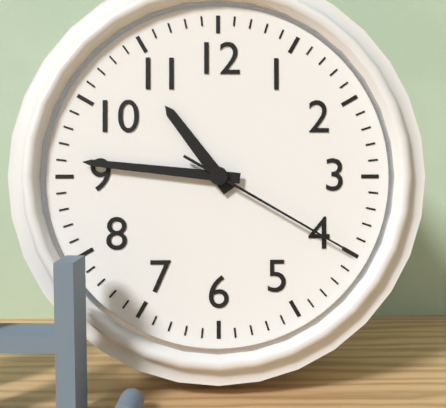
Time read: 10h46m20s
